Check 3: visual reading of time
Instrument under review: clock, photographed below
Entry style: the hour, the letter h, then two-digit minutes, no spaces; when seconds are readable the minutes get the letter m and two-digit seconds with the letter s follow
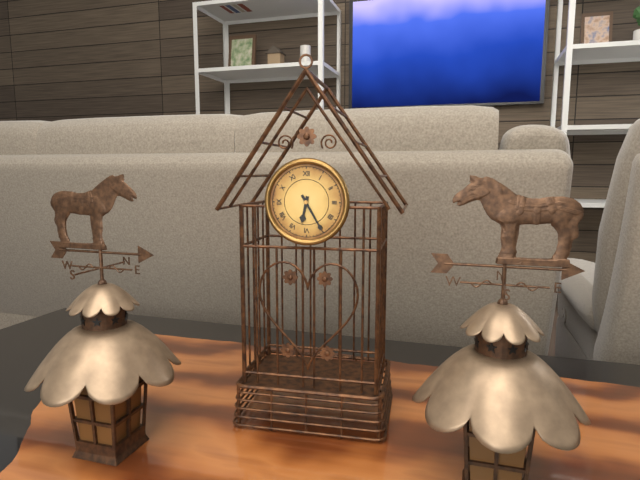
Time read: 6h25
